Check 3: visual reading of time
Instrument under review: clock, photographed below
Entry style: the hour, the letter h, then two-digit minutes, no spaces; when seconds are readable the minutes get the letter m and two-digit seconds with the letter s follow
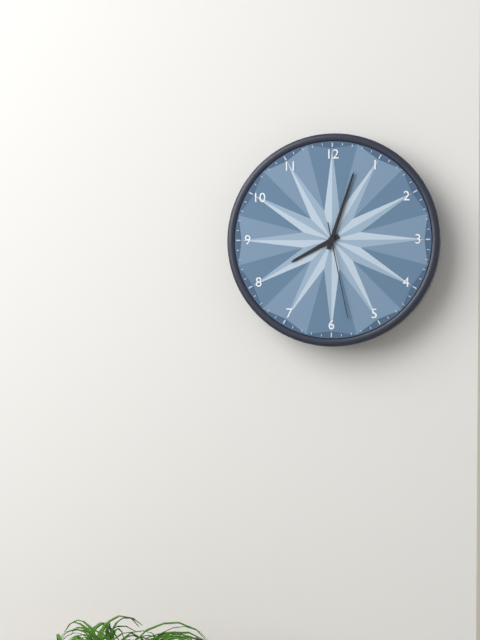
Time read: 8h03m28s
